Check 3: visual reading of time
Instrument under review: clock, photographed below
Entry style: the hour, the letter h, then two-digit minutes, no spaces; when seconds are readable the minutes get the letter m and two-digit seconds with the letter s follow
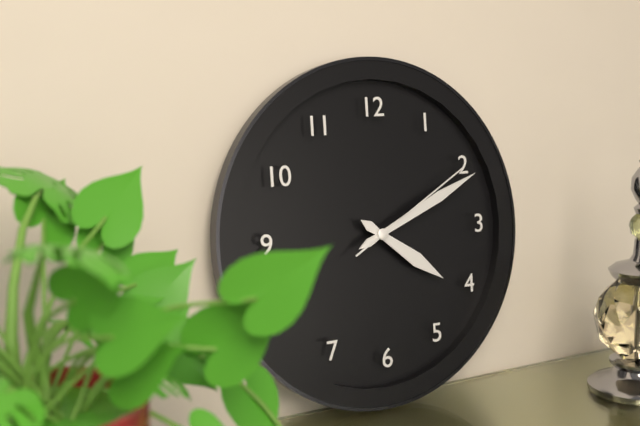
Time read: 4h11m10s
